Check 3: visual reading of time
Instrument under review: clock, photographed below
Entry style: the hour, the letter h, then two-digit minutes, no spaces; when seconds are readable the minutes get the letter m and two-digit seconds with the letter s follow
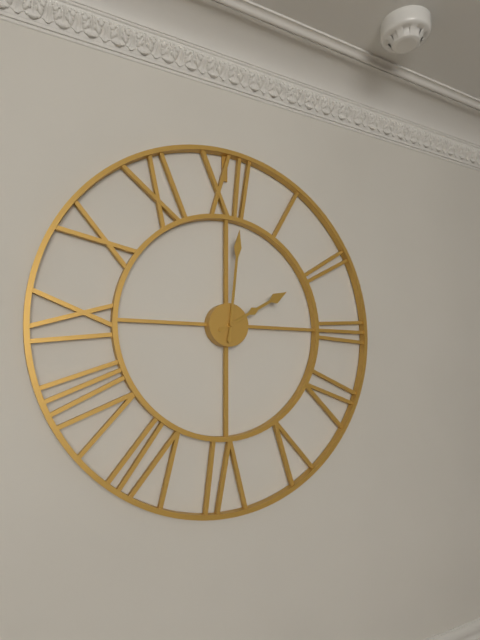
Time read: 2h01
